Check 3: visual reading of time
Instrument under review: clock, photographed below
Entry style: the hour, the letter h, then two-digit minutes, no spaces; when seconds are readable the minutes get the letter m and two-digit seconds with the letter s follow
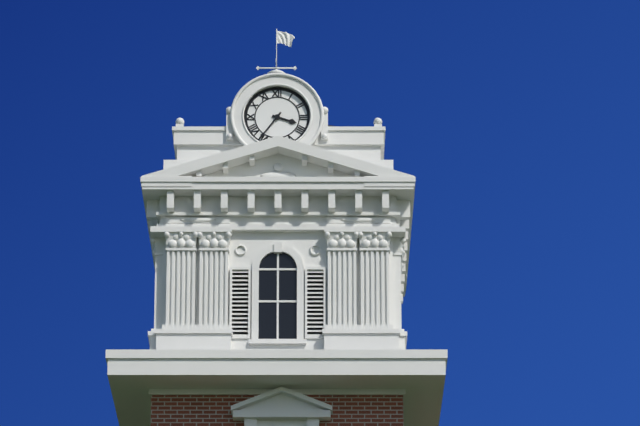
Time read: 3h36
